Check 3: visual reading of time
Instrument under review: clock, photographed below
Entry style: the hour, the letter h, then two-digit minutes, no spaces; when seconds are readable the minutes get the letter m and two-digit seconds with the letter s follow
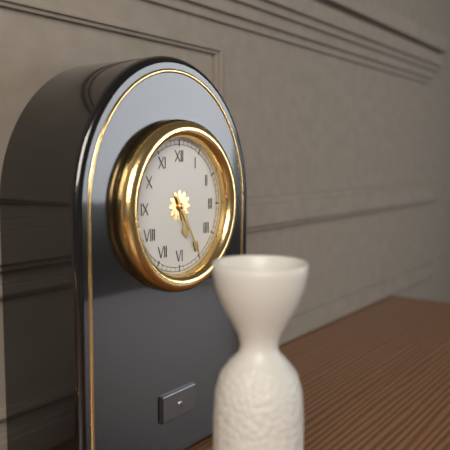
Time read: 5h25
